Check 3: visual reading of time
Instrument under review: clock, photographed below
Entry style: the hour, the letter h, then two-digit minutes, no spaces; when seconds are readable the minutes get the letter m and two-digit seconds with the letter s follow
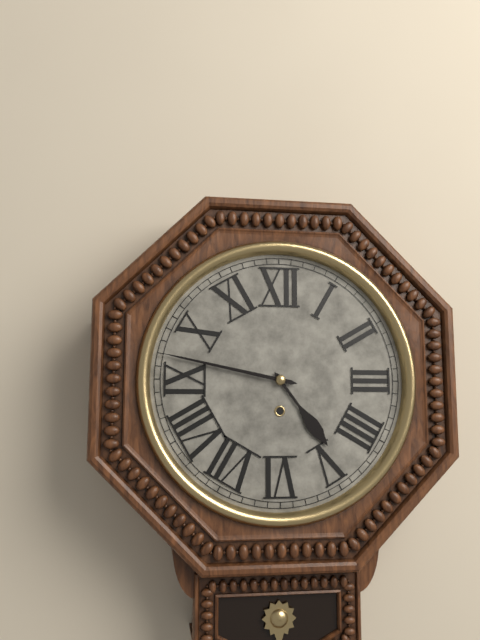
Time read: 4h47
